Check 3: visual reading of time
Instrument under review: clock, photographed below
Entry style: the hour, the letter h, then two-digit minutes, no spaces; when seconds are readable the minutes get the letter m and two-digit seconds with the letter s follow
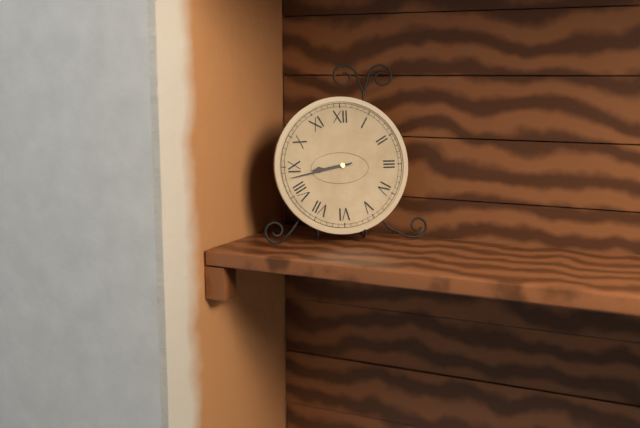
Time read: 8h43
